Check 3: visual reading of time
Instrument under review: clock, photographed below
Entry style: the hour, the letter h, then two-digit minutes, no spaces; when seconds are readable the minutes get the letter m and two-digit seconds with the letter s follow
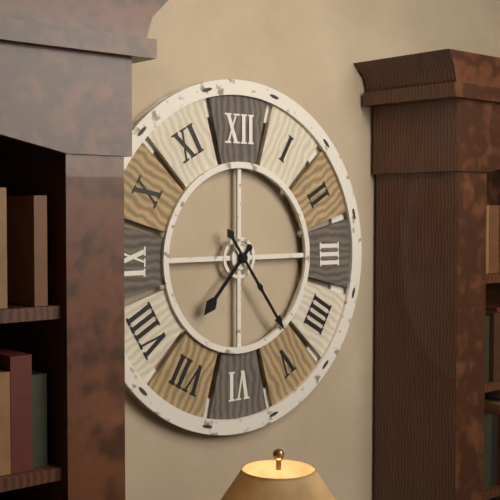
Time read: 7h24
